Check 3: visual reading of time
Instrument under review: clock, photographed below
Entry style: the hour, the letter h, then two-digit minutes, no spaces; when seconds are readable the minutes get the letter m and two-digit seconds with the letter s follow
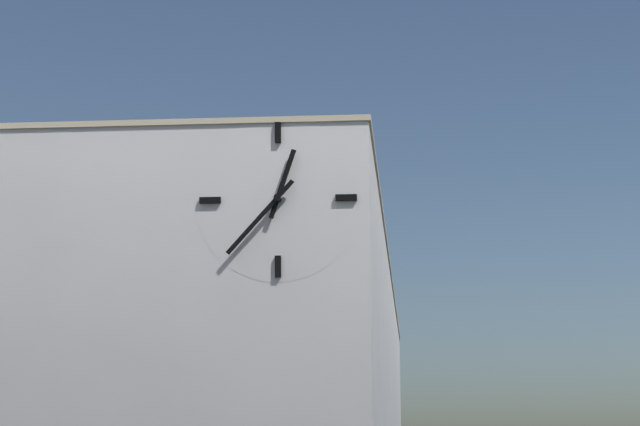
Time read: 12h37
